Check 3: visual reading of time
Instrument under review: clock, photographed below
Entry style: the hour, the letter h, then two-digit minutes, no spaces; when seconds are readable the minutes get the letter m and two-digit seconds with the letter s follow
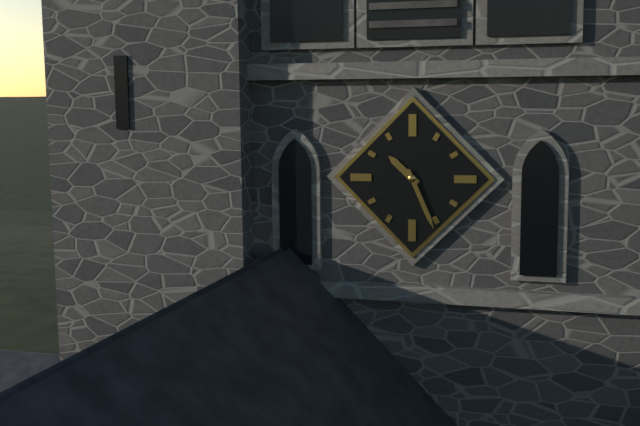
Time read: 10h26
